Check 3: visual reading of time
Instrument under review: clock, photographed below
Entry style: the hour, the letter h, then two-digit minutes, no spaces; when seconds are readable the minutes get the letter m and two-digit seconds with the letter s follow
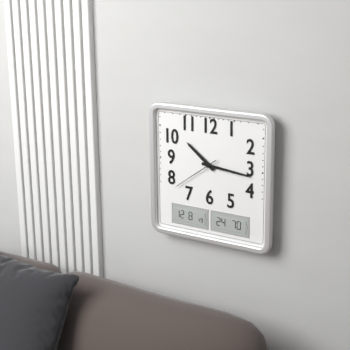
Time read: 10h16m39s
